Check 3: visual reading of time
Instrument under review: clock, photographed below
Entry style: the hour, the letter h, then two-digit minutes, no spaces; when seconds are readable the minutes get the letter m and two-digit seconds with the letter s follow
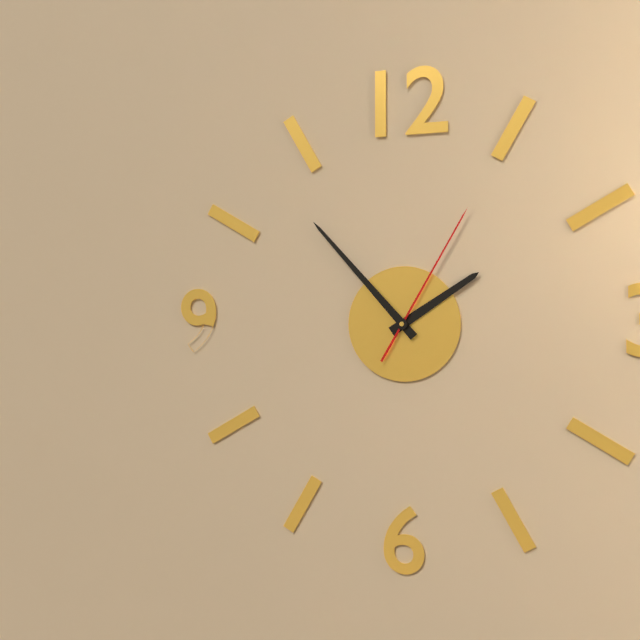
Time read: 1h53m05s
